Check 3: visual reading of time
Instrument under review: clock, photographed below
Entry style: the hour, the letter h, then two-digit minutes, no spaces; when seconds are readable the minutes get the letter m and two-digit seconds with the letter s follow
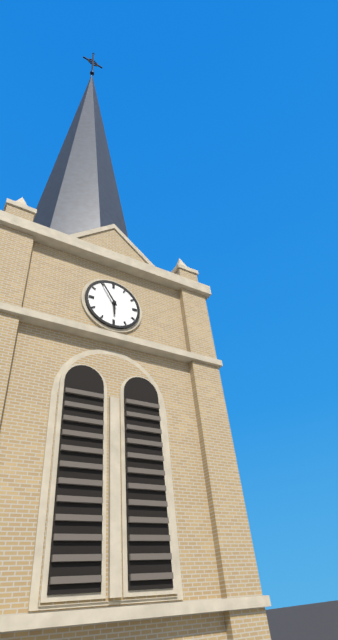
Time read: 5h55
